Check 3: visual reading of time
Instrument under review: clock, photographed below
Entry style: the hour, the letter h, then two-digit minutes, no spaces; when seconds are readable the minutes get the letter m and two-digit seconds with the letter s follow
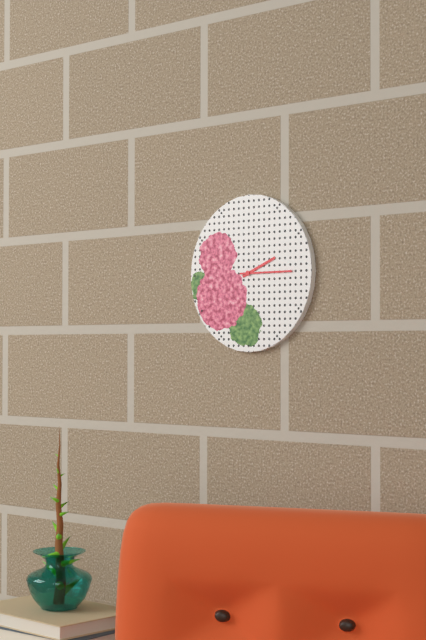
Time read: 2h15
